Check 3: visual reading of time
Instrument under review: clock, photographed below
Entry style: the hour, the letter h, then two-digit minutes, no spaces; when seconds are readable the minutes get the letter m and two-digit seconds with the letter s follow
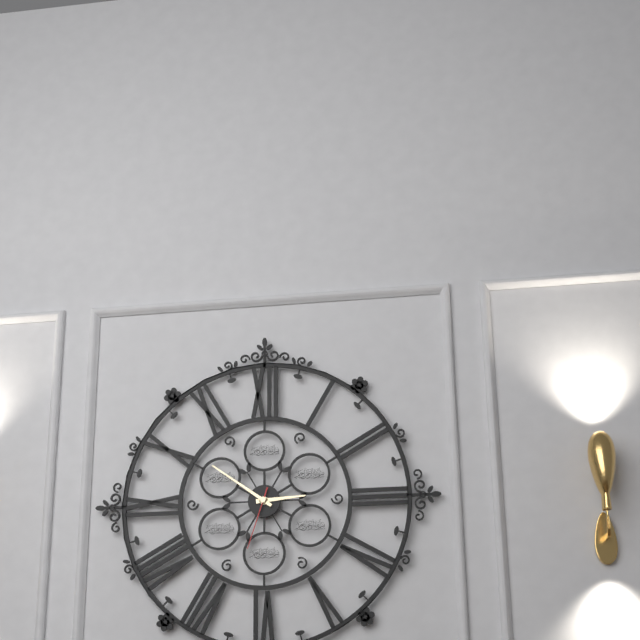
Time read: 2h51m33s
